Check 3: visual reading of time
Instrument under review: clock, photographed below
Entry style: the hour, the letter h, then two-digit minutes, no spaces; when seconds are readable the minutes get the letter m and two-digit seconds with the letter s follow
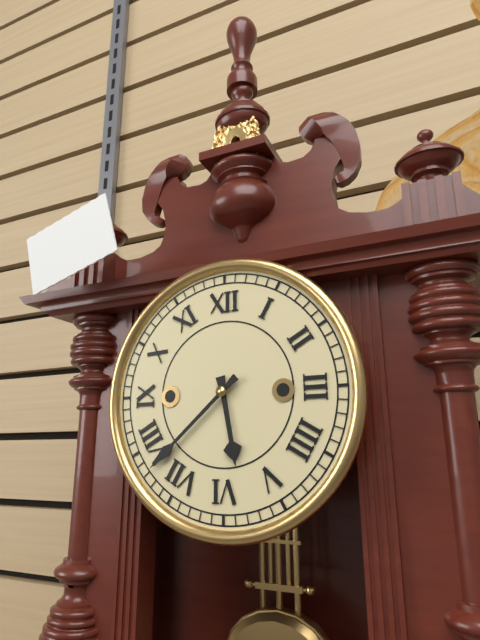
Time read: 5h38
